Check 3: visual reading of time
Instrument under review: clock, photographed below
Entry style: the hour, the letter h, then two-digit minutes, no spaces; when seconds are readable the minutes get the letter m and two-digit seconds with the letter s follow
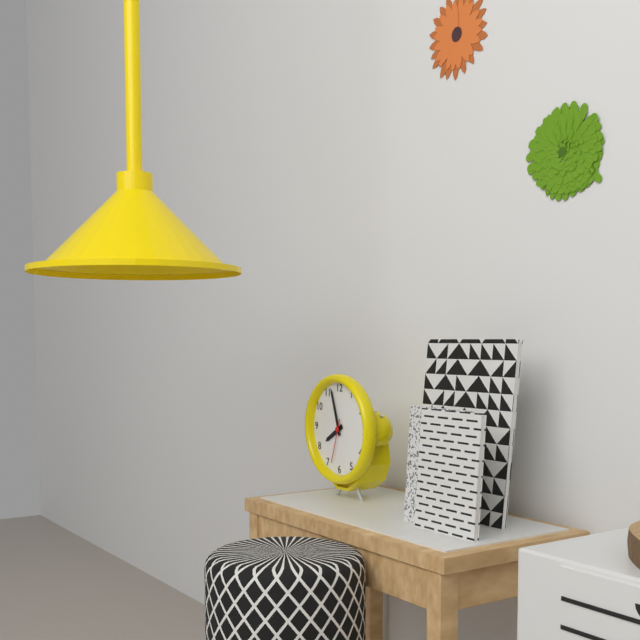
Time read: 7h57
